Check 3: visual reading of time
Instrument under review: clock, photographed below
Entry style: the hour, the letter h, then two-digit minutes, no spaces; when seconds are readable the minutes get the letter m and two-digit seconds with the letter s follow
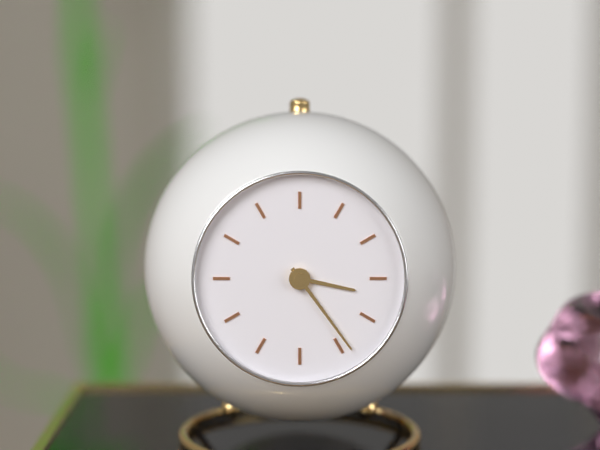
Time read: 3h24
